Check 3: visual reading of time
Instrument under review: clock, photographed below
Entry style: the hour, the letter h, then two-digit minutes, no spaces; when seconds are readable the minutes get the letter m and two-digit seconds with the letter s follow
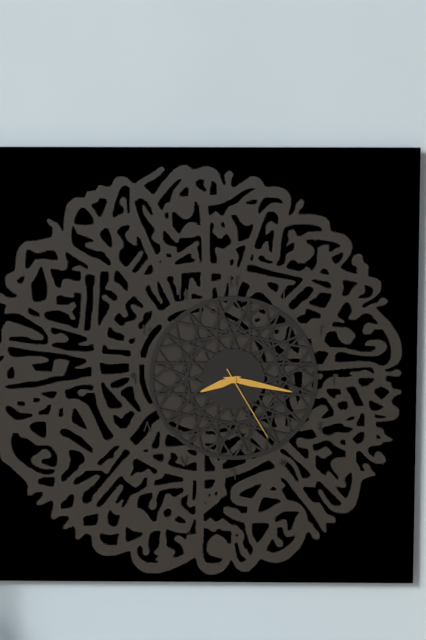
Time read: 8h17m25s
